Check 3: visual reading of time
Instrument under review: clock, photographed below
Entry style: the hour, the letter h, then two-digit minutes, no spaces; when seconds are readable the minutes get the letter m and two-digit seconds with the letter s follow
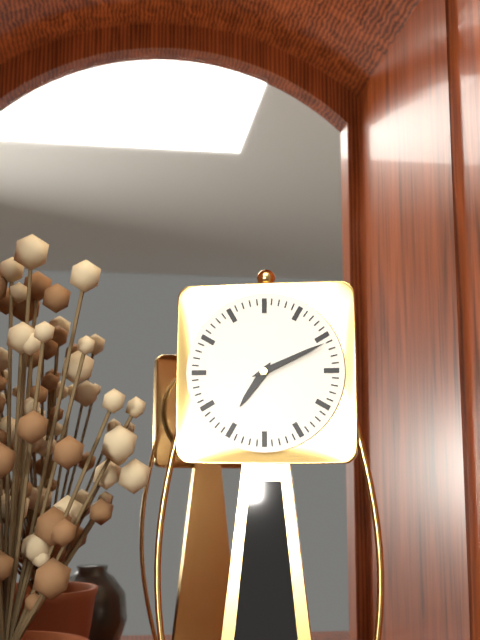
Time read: 7h11
